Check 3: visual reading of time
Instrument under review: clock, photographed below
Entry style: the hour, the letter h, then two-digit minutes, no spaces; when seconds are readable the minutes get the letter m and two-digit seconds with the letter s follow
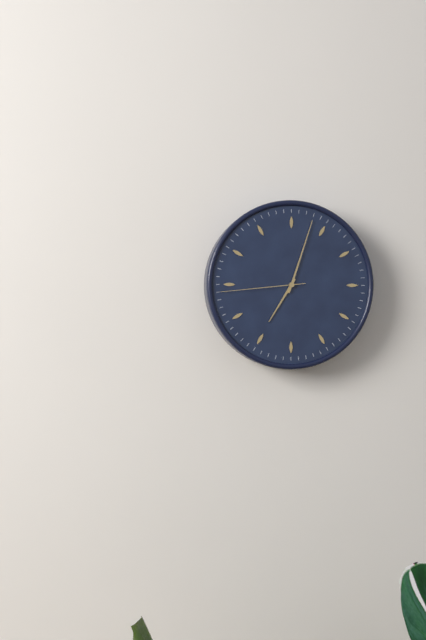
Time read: 7h03m44s
